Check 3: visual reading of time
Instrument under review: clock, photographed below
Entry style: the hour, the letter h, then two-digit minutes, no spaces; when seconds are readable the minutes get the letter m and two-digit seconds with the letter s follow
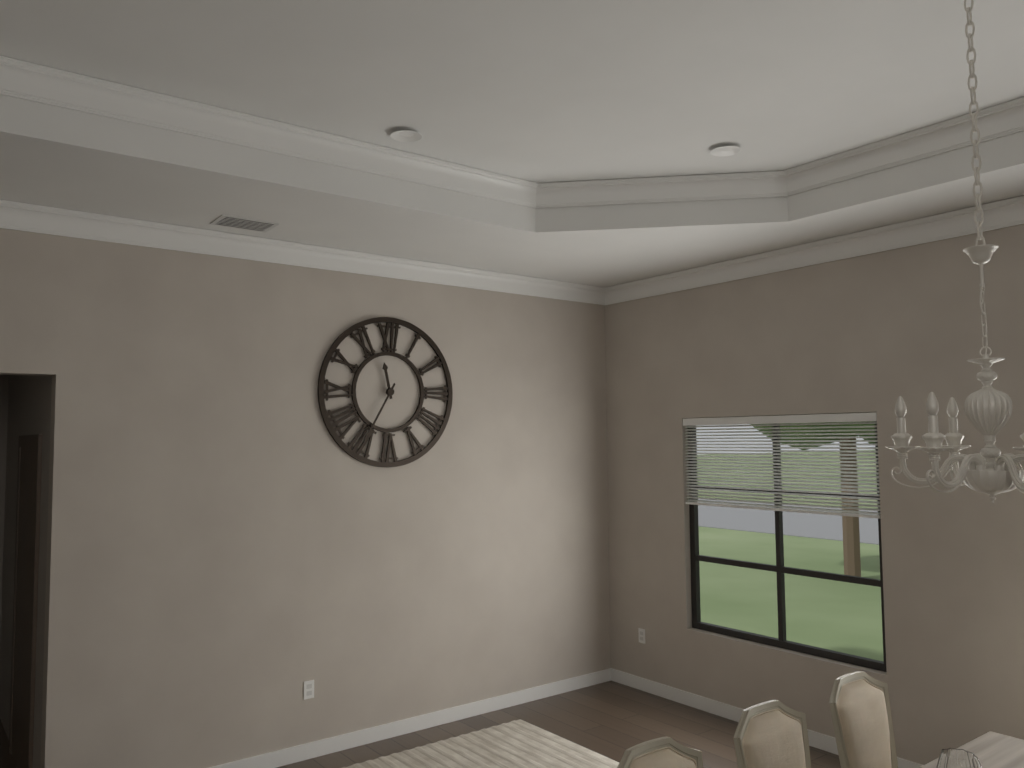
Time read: 11h35
